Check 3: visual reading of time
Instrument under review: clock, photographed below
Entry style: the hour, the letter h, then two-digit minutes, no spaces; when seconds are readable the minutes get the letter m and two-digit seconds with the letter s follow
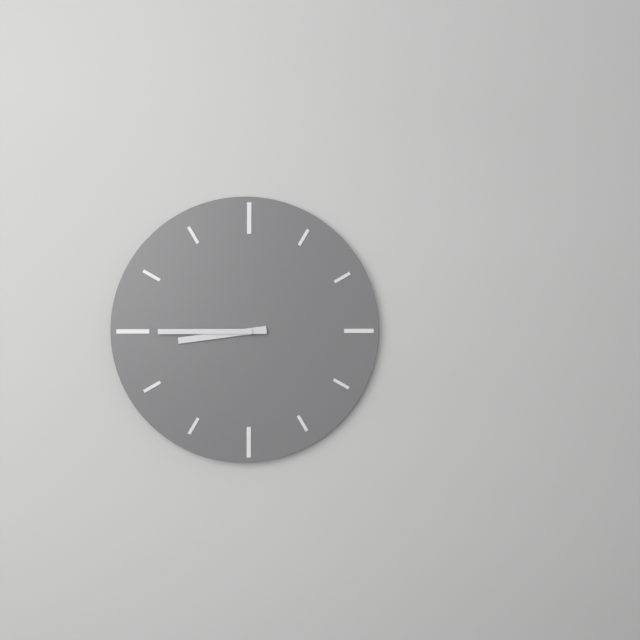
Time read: 8h45
